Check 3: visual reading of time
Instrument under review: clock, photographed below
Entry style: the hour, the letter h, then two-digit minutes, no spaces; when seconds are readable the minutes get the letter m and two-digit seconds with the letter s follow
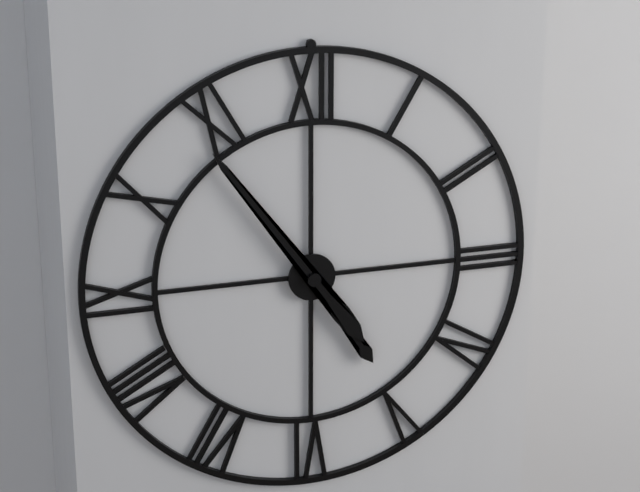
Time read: 4h54
